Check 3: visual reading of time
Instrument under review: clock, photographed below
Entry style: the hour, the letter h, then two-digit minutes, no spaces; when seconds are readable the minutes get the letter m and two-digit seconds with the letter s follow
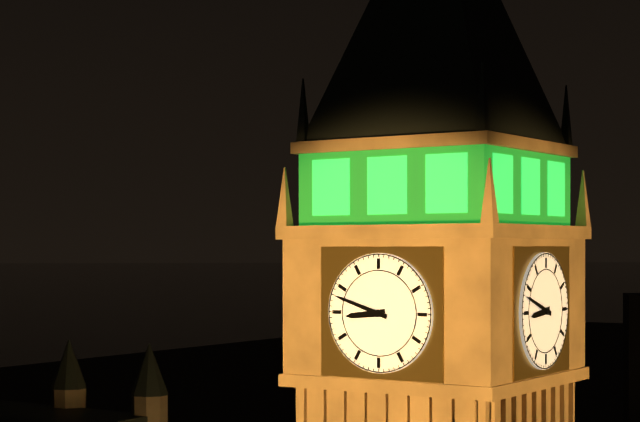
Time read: 8h48
